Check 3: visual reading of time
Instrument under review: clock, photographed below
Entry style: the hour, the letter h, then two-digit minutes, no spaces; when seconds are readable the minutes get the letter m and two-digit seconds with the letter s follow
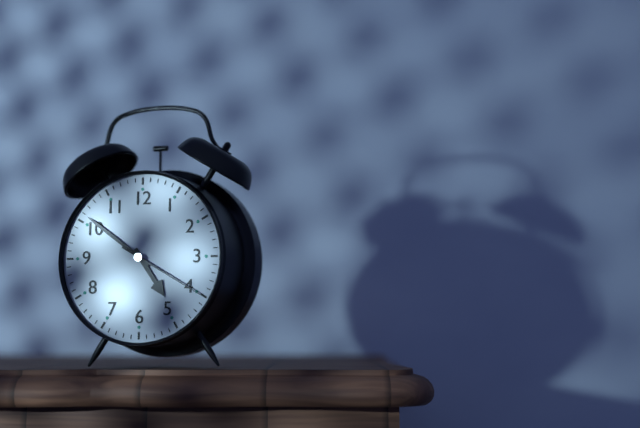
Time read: 4h51m20s
